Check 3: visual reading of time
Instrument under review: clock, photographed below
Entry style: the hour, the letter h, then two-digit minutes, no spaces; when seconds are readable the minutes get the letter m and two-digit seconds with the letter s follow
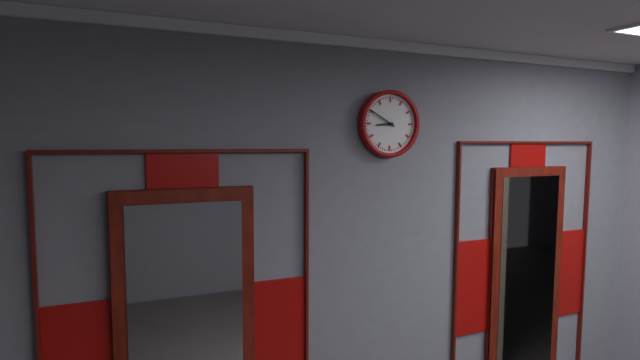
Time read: 8h50
